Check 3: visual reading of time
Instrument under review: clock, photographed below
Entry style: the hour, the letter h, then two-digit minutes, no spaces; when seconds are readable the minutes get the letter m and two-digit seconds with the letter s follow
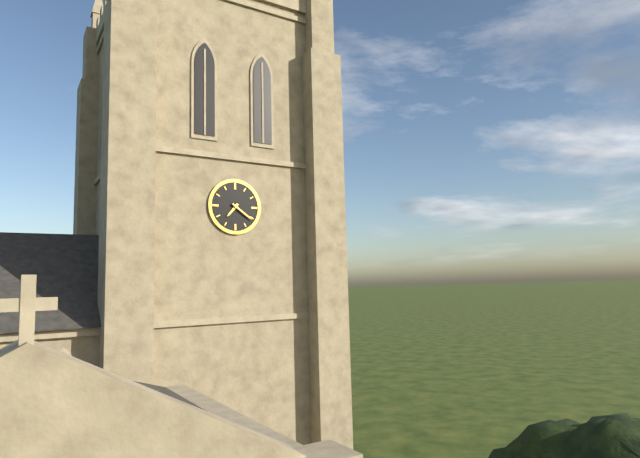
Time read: 7h21
